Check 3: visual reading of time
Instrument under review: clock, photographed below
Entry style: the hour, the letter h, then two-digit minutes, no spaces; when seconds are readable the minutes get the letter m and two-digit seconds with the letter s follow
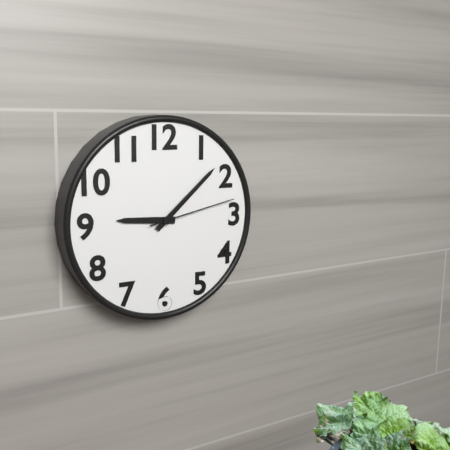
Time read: 9h08m13s
